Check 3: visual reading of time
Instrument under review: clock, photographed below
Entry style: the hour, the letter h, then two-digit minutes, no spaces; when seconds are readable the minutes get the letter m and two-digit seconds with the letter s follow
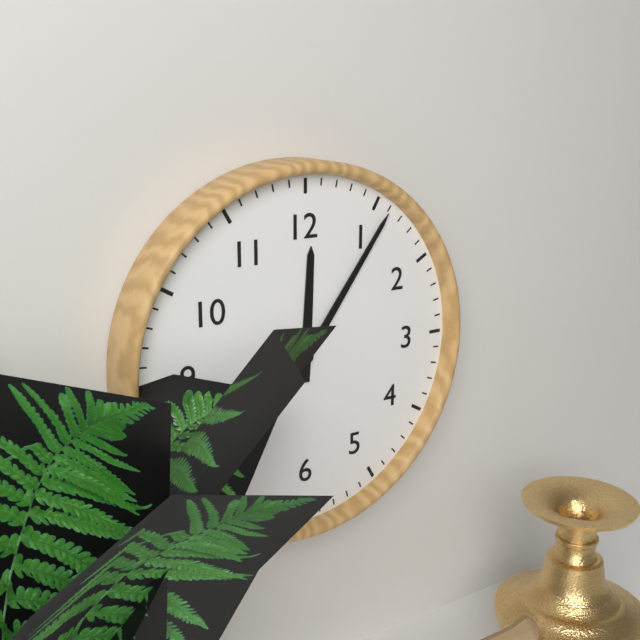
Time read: 12h06
